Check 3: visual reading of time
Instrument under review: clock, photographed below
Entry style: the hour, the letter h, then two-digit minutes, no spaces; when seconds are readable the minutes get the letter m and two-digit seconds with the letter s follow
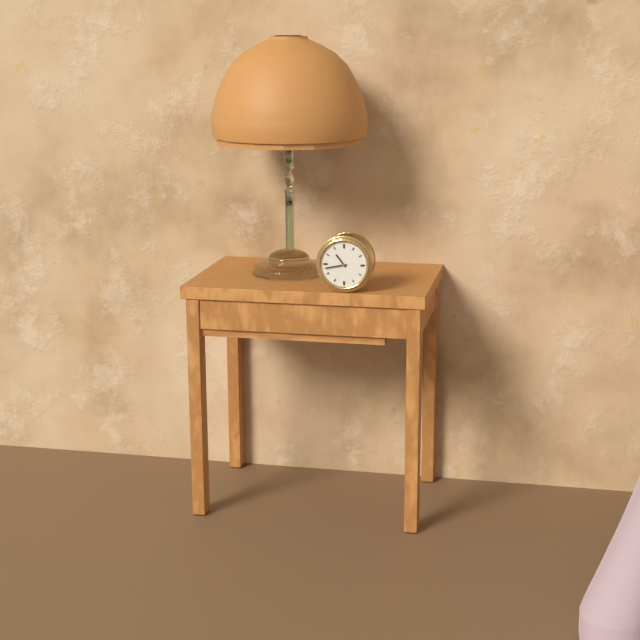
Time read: 10h43
